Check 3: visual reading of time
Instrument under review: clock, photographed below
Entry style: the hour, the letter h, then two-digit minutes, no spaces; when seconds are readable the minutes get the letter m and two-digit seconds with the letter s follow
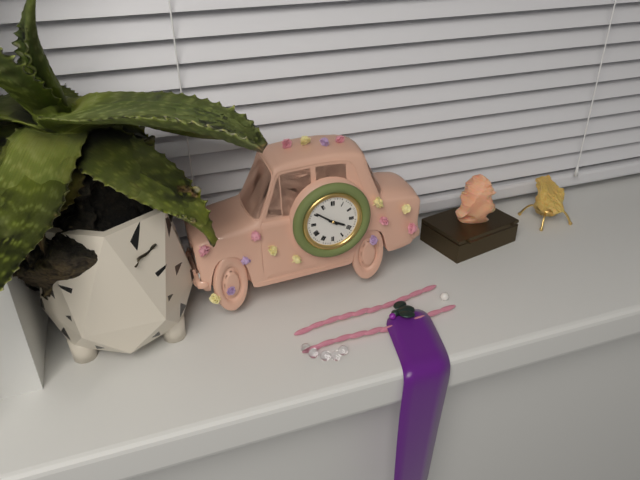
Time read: 3h51
